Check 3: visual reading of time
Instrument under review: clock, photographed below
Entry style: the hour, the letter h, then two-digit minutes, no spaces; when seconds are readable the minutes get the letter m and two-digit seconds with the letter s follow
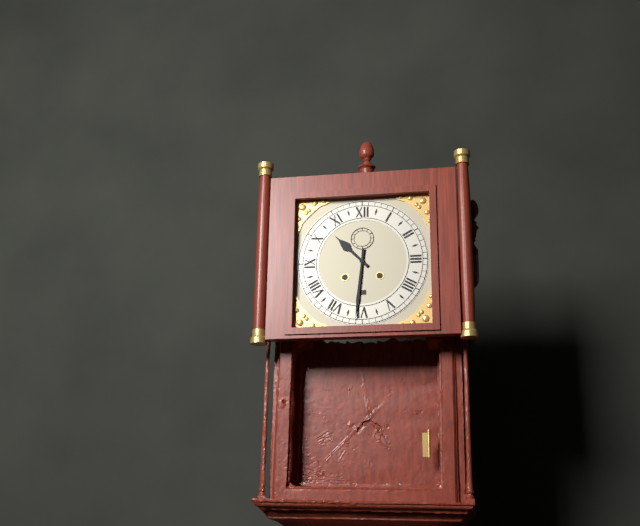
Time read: 10h31
